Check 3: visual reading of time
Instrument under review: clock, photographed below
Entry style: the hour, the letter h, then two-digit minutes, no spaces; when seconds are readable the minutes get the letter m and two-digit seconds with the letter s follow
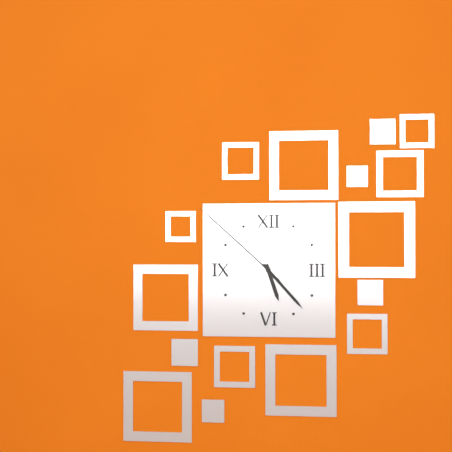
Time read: 5h23m52s
